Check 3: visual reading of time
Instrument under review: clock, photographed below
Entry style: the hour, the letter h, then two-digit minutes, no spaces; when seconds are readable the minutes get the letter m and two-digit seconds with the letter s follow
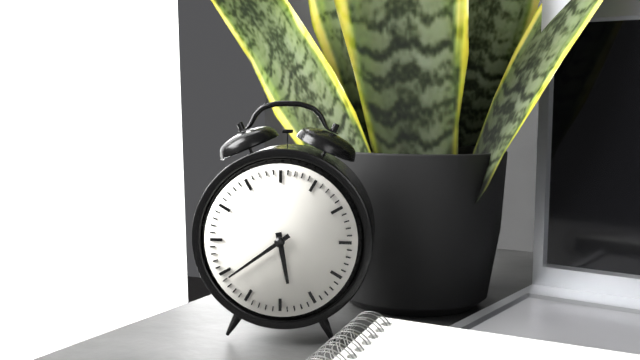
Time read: 5h39
